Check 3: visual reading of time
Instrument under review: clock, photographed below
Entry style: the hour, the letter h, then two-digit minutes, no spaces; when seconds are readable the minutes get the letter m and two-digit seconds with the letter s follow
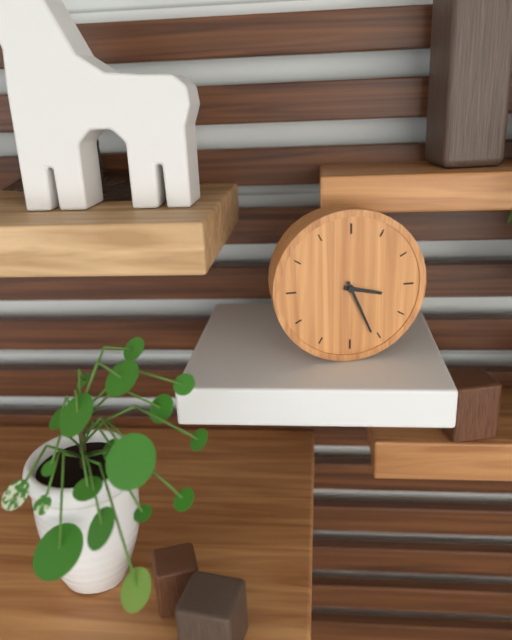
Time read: 3h26
